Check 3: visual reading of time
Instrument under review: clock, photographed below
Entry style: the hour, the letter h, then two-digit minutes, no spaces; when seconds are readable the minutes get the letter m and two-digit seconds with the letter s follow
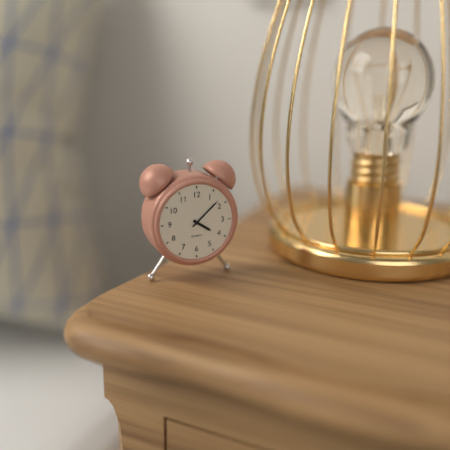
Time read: 4h08
